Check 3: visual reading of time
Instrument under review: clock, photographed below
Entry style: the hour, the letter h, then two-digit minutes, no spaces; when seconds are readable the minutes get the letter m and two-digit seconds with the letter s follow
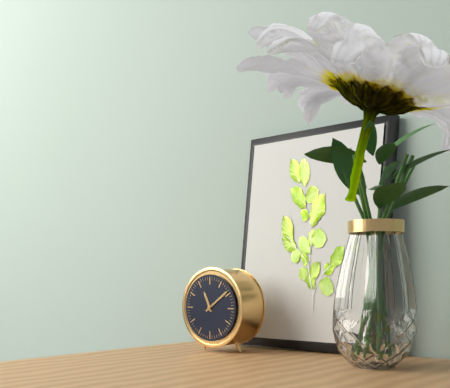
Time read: 11h09
